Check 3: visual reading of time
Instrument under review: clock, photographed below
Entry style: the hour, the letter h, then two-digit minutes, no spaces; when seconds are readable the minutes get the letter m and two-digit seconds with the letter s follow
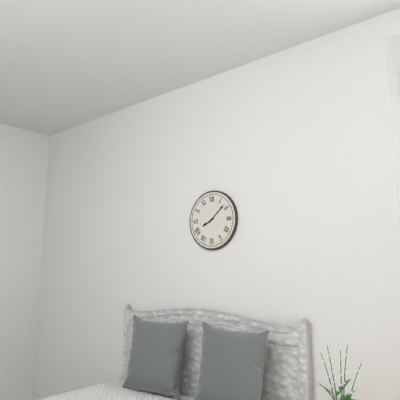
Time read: 8h08
